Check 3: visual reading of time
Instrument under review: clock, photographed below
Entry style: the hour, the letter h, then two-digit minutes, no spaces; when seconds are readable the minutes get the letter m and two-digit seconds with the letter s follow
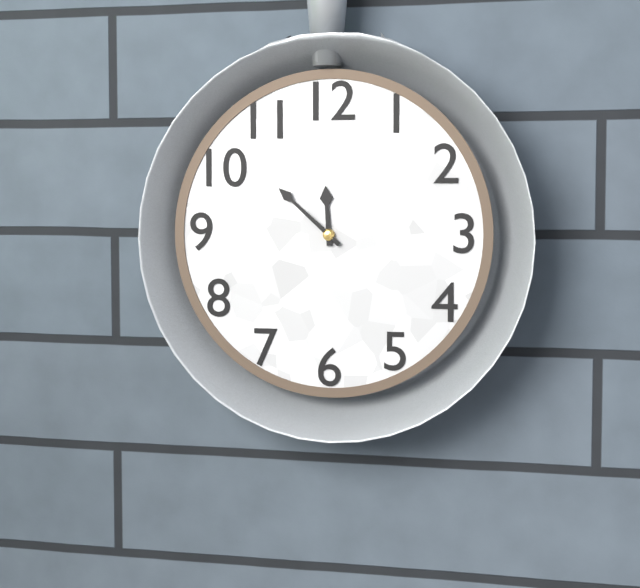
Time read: 11h52
